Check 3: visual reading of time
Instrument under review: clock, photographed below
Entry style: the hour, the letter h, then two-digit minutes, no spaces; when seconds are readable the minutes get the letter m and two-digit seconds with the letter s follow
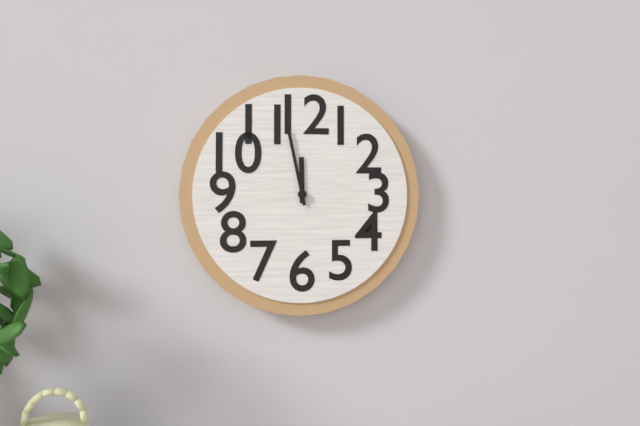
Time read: 11h58
